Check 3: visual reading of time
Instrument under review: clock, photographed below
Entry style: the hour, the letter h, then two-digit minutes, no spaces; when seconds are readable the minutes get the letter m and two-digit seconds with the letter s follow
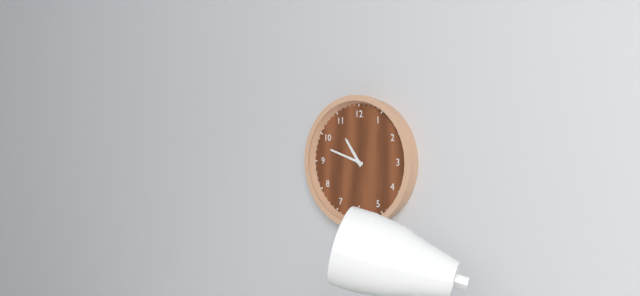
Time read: 10h48
